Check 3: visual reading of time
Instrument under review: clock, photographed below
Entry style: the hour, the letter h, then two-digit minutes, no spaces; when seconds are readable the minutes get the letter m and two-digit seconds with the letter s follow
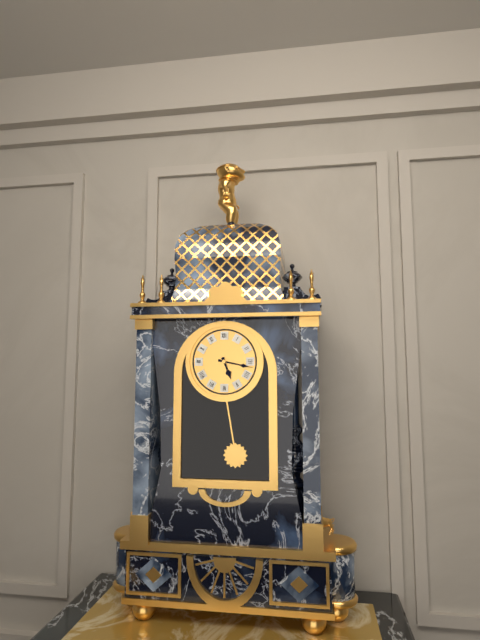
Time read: 5h17
